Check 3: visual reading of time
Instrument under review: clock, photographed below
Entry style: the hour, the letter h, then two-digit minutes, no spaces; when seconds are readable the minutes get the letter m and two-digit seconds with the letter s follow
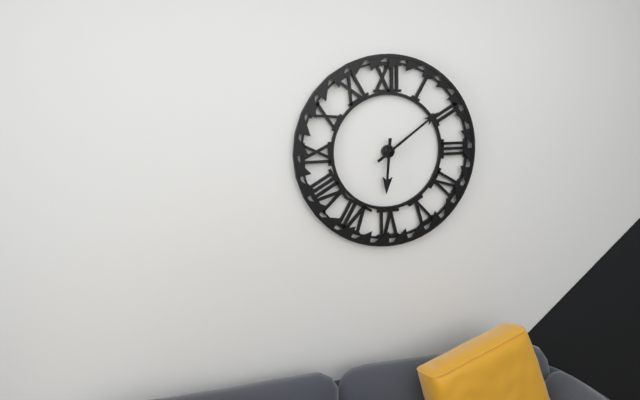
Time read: 6h09
